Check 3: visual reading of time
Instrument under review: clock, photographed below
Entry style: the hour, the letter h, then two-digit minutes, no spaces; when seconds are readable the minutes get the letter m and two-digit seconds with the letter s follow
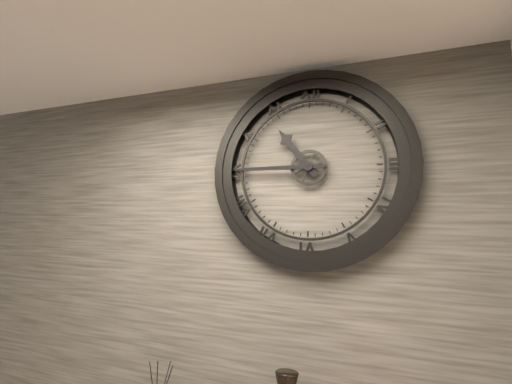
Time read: 10h45
